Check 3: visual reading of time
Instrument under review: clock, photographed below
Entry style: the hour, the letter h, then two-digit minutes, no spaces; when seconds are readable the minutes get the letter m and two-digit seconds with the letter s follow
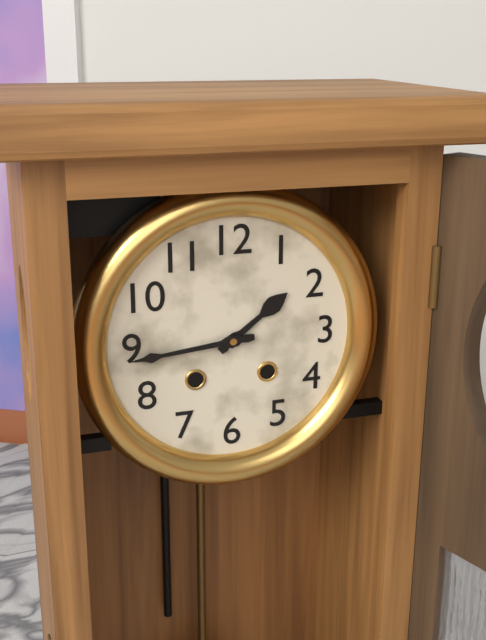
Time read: 1h44
